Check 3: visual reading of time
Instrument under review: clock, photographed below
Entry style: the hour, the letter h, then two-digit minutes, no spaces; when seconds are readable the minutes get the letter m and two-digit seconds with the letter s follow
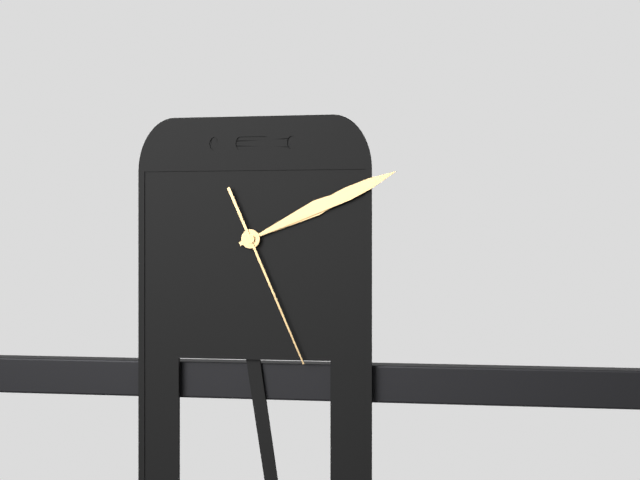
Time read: 2h11m26s
